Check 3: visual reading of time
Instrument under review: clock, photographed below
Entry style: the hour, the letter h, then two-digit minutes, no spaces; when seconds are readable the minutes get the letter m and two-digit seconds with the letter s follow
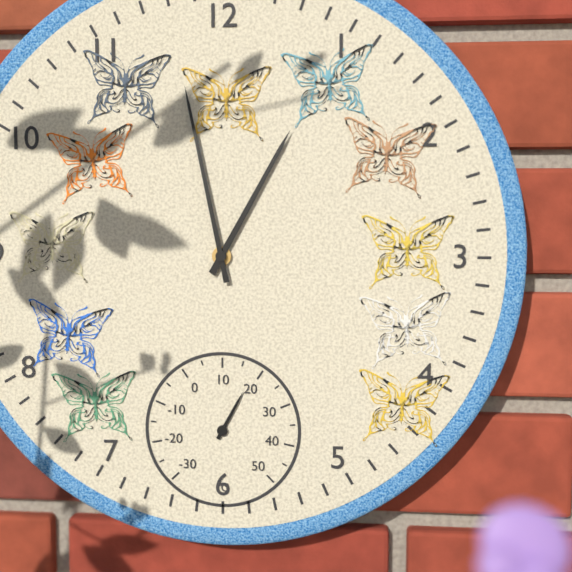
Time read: 12h58
